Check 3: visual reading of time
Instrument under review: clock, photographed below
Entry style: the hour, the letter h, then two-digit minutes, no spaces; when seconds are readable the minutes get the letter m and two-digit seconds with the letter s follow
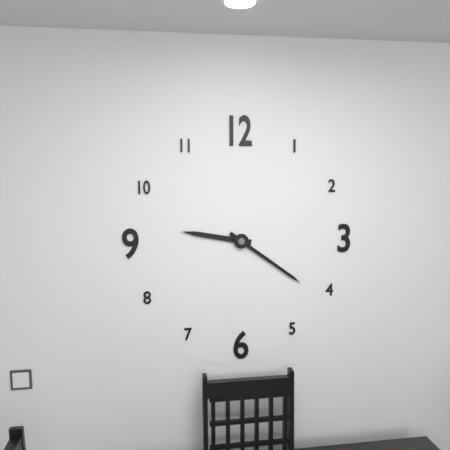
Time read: 9h21
